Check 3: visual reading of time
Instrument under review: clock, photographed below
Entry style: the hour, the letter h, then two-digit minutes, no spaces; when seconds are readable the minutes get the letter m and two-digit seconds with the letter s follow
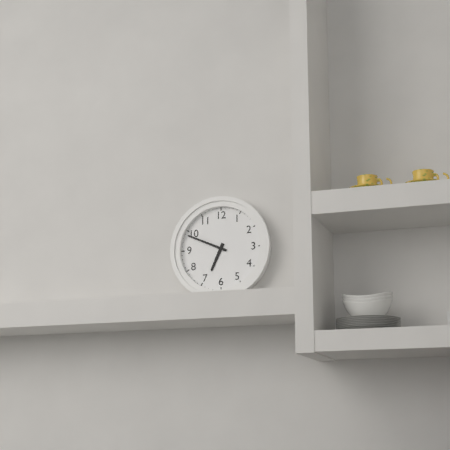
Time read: 6h49
